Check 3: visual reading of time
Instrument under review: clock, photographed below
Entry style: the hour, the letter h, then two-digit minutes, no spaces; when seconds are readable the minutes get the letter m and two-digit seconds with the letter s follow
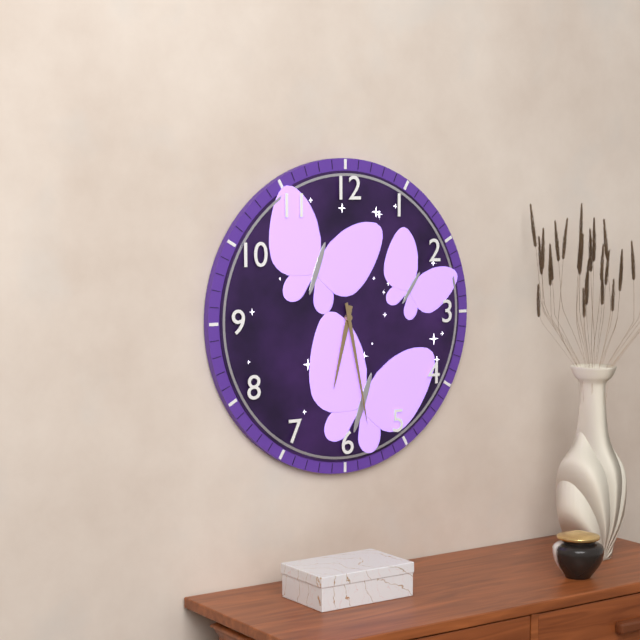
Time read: 6h28
